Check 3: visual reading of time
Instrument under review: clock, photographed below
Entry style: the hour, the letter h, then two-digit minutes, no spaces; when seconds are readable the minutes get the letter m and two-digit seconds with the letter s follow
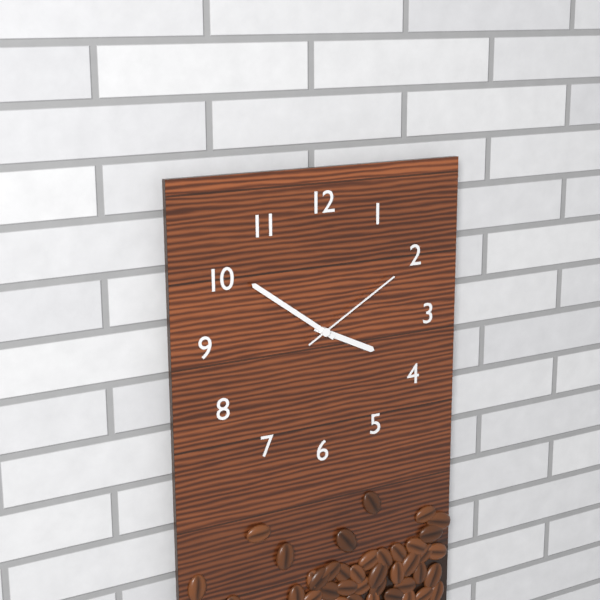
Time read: 3h51m10s
